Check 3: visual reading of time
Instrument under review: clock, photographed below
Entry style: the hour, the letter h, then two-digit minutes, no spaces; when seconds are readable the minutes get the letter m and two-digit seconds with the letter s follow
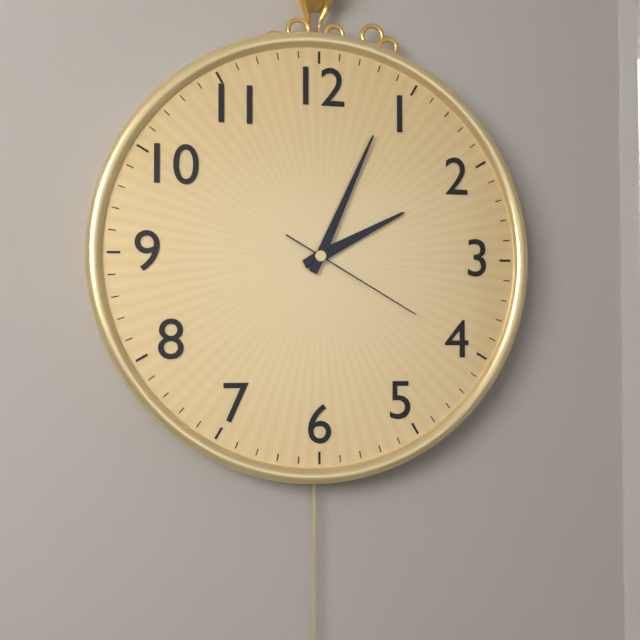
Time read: 2h04m20s
